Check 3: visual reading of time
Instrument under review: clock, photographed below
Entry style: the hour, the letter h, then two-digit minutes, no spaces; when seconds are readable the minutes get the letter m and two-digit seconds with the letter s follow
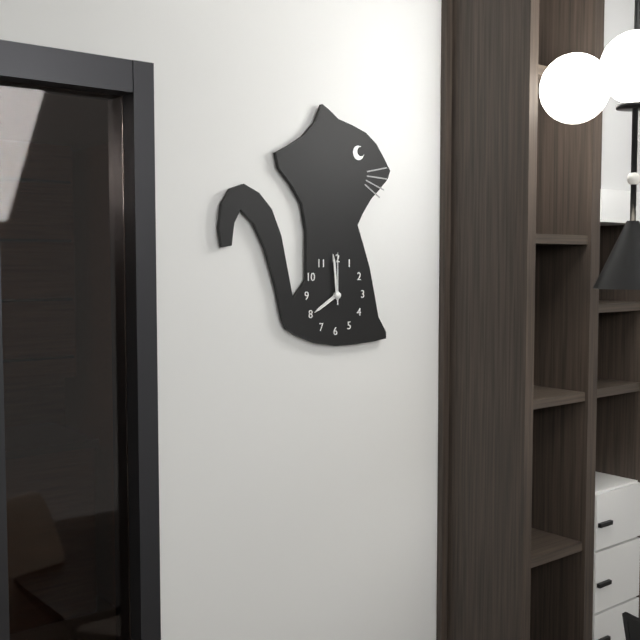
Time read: 7h59m00s
